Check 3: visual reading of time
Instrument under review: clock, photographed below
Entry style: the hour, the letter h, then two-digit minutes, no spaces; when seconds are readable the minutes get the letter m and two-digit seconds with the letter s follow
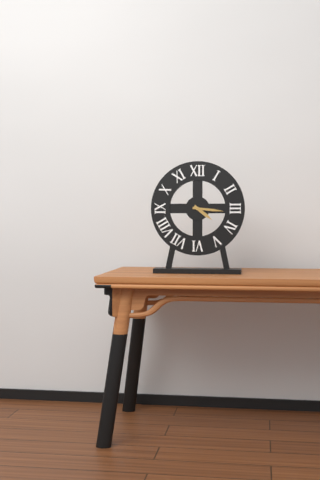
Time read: 4h16
